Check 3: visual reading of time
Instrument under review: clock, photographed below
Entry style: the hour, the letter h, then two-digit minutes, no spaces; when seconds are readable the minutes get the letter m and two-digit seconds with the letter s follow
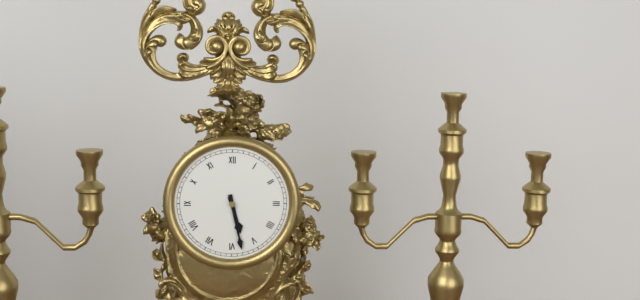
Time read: 5h28
